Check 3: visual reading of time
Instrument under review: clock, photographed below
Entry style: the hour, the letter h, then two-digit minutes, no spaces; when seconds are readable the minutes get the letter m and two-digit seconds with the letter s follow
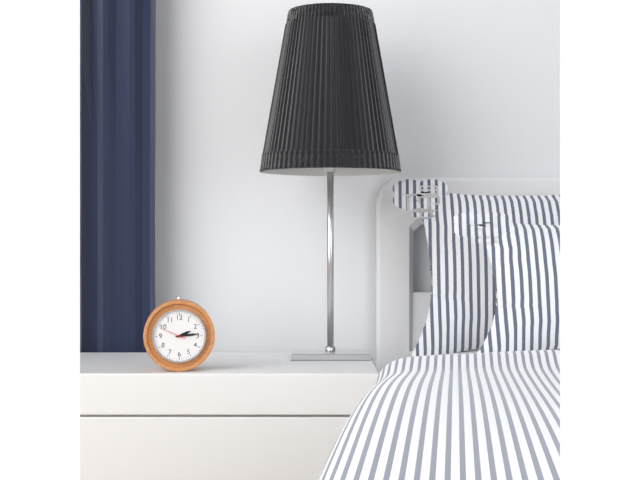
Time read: 2h14
